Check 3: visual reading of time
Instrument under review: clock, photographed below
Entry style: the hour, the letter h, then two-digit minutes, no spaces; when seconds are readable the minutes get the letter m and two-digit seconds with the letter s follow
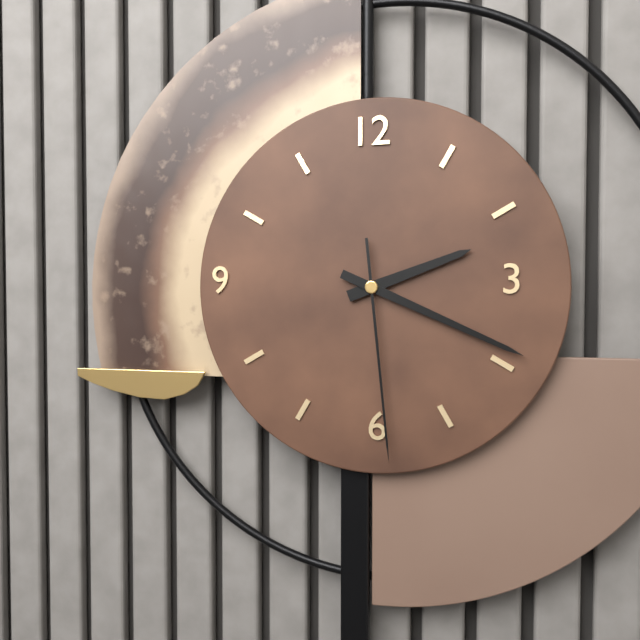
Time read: 2h19m29s
